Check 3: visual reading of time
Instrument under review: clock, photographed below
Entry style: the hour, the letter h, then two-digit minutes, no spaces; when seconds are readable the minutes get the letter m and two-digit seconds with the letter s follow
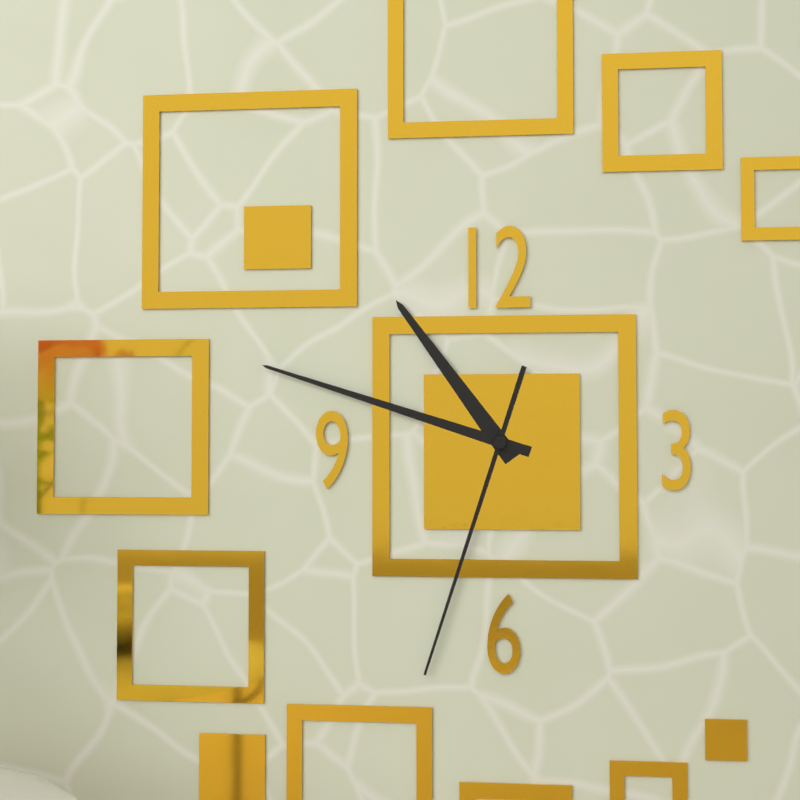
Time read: 10h48m33s
